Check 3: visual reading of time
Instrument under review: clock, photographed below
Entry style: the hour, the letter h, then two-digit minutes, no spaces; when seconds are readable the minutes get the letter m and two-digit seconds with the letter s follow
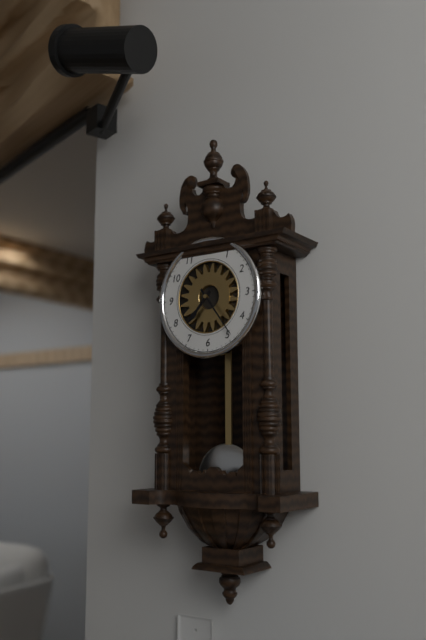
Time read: 7h24
